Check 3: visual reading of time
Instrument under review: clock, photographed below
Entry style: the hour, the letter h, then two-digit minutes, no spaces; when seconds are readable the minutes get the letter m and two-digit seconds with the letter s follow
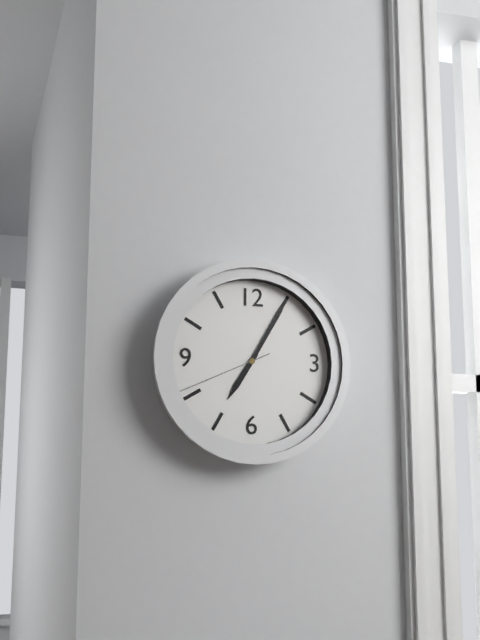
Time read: 7h05m41s
